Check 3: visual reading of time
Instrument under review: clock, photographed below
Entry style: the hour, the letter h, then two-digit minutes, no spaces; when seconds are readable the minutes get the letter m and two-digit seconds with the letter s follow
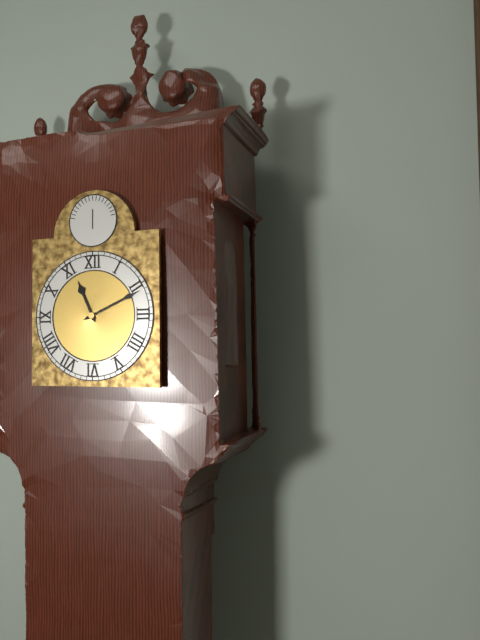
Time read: 11h11
